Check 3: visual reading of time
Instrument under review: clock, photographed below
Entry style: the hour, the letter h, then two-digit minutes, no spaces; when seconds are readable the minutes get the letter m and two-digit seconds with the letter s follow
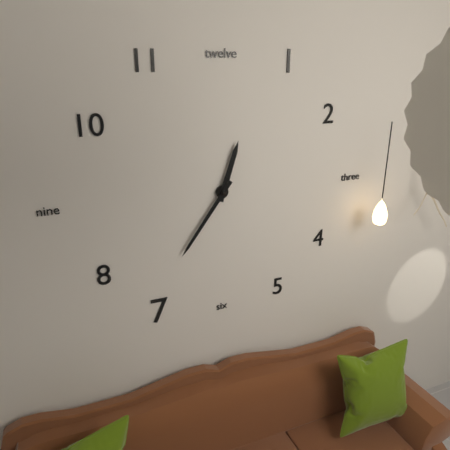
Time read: 12h36
